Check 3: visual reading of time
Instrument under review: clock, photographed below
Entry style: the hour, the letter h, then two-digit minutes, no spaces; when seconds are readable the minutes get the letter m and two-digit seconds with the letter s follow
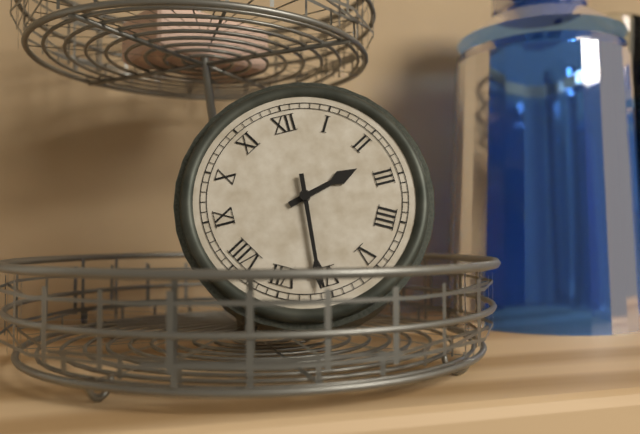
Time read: 2h31
